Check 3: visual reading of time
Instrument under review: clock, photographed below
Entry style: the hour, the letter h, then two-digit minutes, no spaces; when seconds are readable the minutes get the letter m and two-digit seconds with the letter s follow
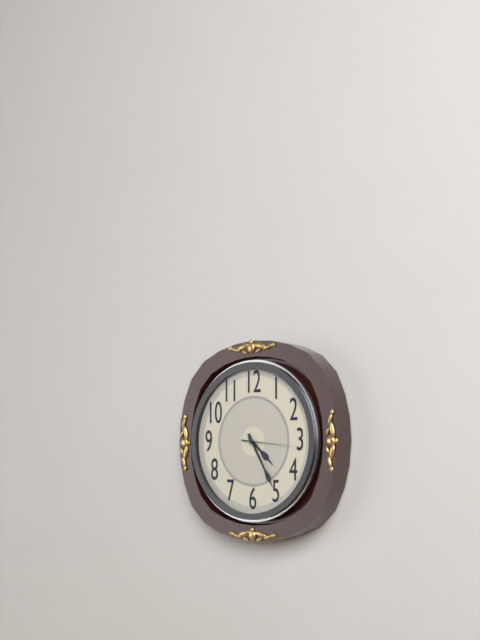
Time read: 4h25m16s
